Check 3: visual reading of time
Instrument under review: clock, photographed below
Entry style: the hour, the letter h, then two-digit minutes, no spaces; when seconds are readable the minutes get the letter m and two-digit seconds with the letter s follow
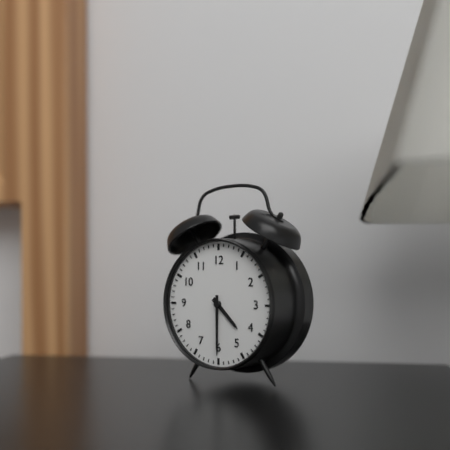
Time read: 4h30
